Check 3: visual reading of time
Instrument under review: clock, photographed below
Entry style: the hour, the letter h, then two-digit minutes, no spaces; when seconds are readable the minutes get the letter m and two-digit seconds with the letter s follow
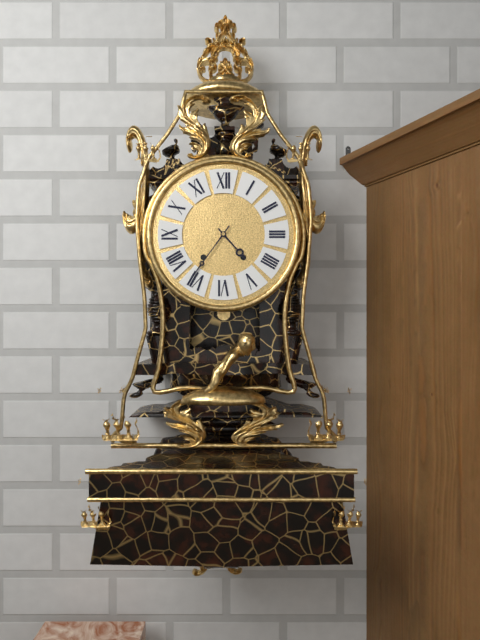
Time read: 4h36
